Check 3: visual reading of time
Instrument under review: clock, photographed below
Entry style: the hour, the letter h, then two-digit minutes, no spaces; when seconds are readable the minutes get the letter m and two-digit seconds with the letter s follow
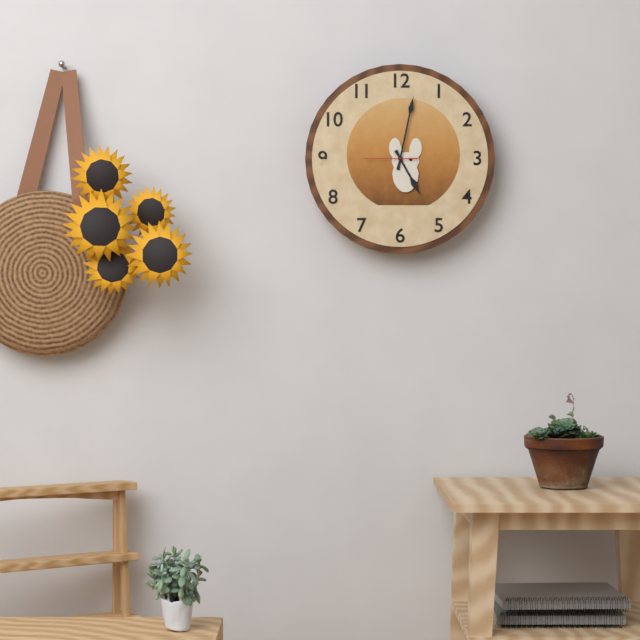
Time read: 5h02
